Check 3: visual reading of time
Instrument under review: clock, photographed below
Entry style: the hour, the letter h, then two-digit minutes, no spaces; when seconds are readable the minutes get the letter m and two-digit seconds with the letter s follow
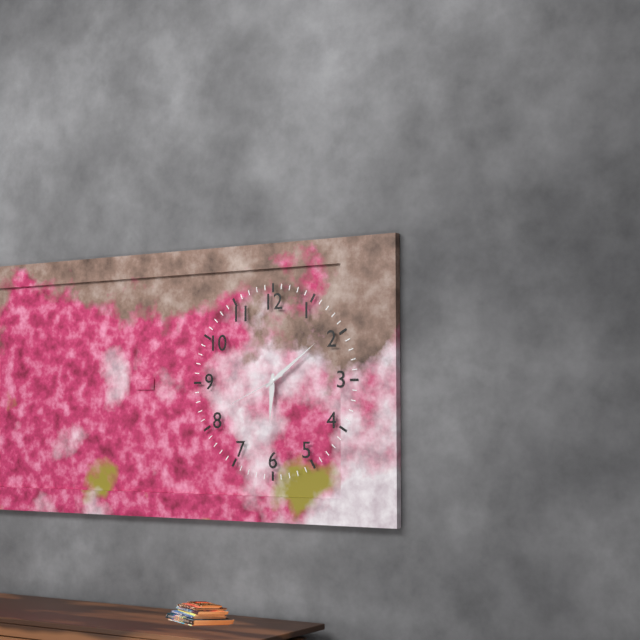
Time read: 6h09m41s
